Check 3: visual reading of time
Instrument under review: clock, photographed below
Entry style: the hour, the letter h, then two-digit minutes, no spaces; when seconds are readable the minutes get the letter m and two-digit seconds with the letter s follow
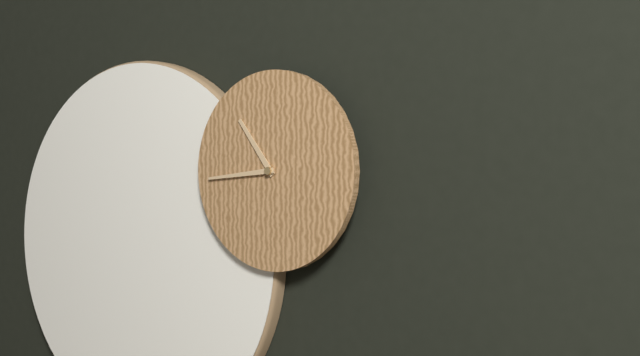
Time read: 10h44
